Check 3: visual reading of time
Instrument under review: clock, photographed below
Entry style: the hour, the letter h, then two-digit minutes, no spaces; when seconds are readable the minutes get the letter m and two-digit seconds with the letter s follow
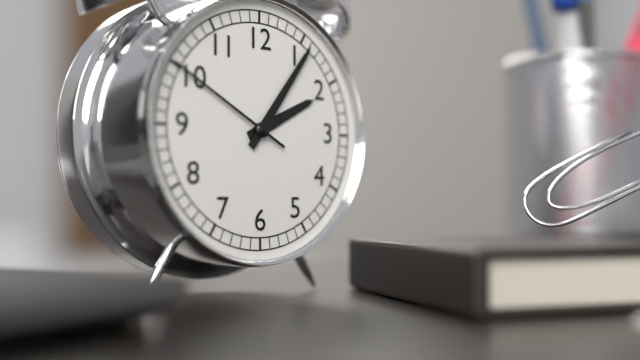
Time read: 2h06m50s
